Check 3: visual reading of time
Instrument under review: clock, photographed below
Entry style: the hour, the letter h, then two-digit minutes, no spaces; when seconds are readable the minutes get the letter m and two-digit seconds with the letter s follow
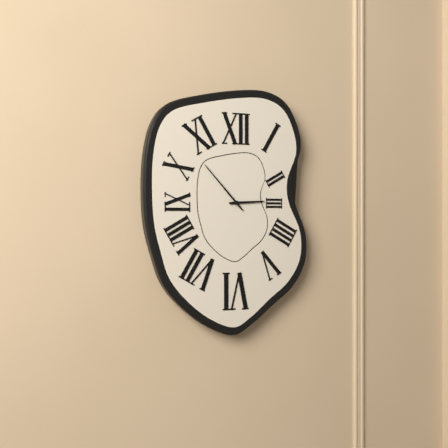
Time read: 2h53
